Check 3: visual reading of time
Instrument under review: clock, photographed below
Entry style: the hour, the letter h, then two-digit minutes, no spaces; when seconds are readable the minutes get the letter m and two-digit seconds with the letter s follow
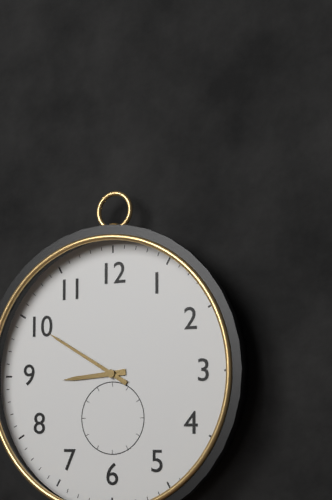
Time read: 8h50
